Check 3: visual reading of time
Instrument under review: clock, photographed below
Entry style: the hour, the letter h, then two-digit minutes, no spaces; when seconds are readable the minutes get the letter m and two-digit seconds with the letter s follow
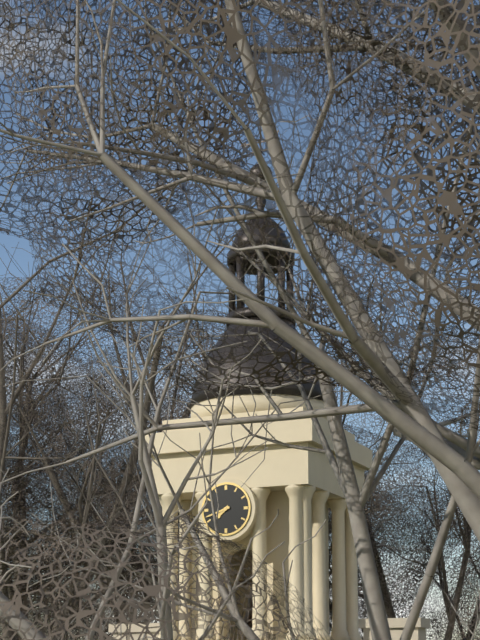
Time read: 7h42
